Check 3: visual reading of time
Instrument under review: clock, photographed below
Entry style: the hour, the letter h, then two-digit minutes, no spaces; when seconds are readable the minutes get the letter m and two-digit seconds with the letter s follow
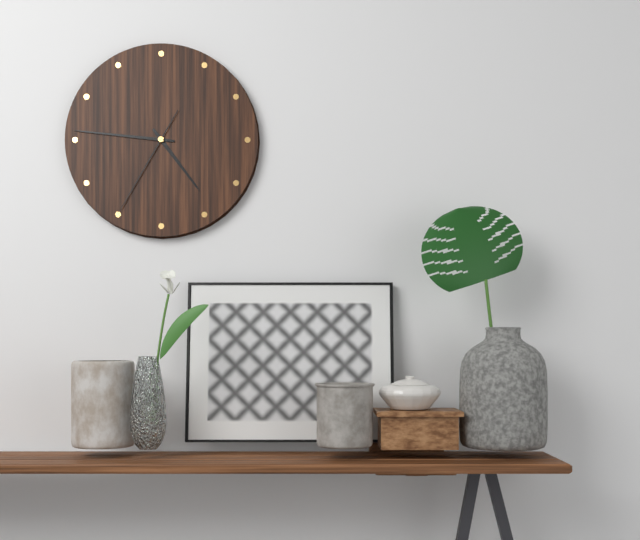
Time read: 4h46m35s
